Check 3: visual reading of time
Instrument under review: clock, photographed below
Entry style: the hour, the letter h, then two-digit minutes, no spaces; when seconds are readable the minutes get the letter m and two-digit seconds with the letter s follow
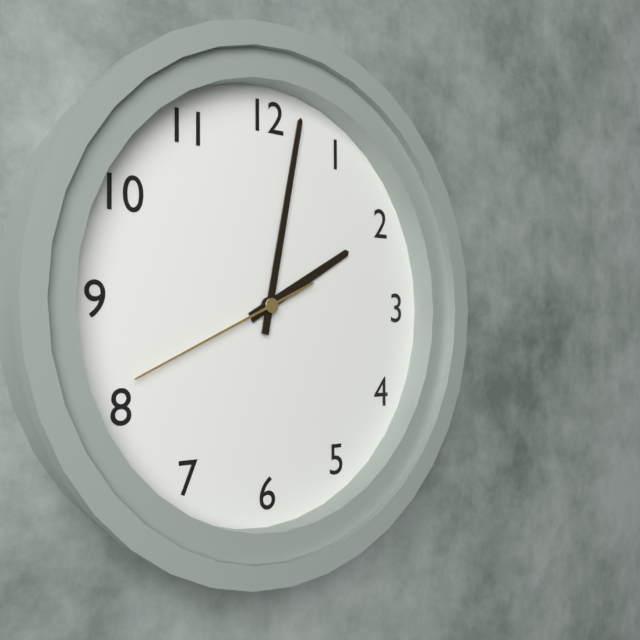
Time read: 2h02m41s
